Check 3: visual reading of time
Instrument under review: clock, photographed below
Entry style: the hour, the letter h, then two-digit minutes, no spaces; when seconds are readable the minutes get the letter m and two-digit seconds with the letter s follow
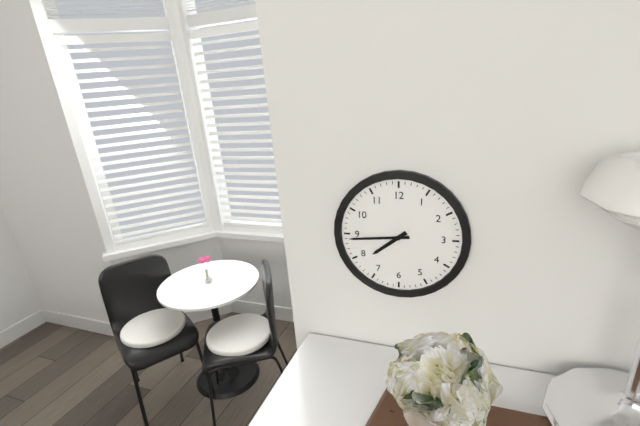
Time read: 7h44
